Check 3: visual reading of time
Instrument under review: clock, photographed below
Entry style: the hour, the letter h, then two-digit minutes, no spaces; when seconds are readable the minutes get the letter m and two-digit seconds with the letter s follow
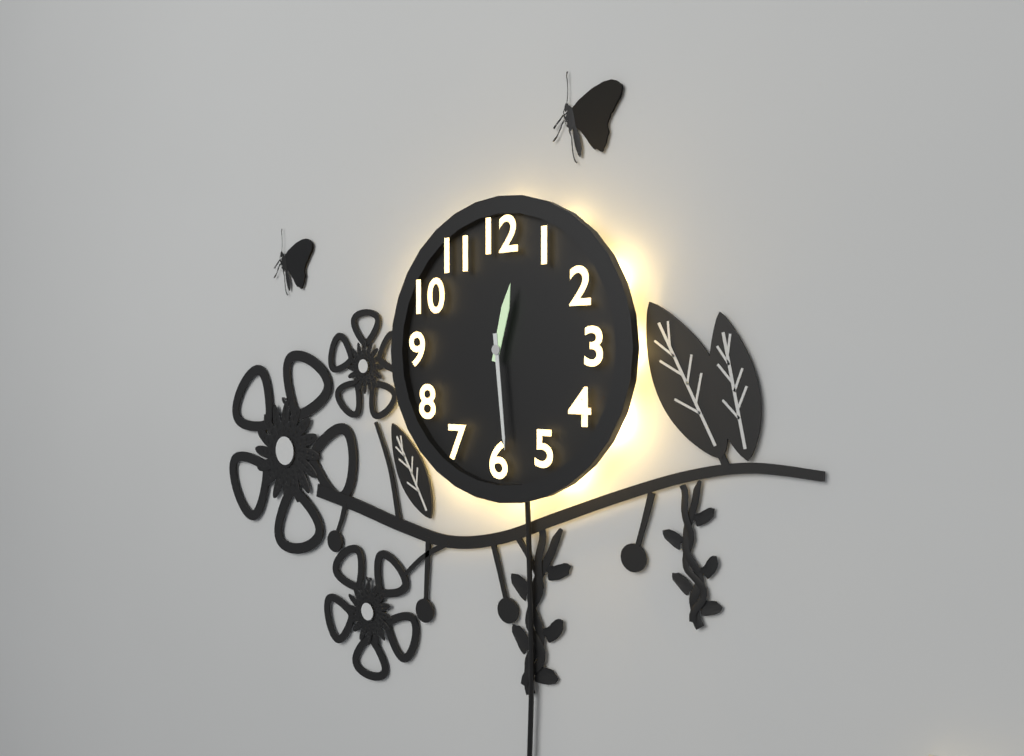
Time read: 12h29
